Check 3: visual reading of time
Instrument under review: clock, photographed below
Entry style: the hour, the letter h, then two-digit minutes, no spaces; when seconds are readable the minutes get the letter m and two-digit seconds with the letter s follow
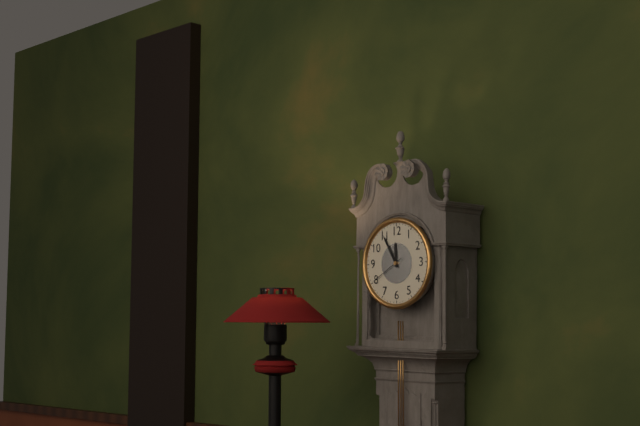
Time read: 11h55
